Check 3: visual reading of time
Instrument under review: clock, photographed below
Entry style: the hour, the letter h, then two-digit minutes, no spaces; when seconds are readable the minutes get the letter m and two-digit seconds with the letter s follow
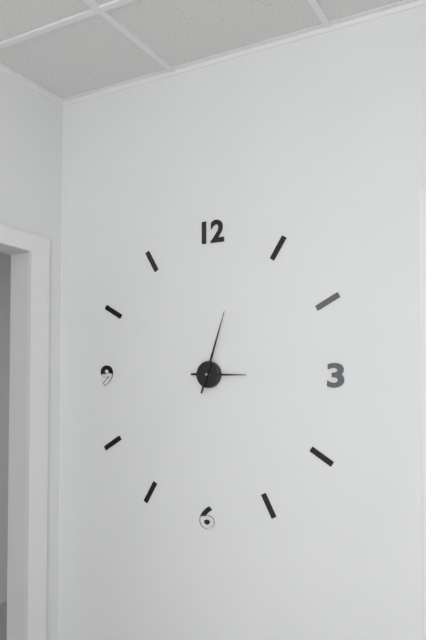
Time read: 3h03
